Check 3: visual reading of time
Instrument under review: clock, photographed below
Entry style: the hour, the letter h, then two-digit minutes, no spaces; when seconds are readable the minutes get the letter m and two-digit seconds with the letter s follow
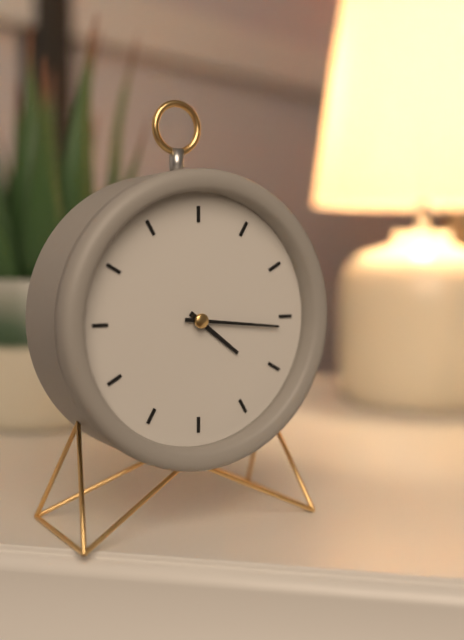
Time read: 4h16
